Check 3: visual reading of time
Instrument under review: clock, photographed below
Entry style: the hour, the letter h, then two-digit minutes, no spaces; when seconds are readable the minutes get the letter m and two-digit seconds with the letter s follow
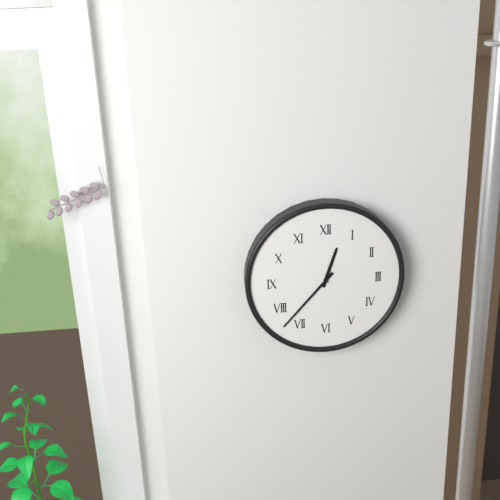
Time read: 12h37
